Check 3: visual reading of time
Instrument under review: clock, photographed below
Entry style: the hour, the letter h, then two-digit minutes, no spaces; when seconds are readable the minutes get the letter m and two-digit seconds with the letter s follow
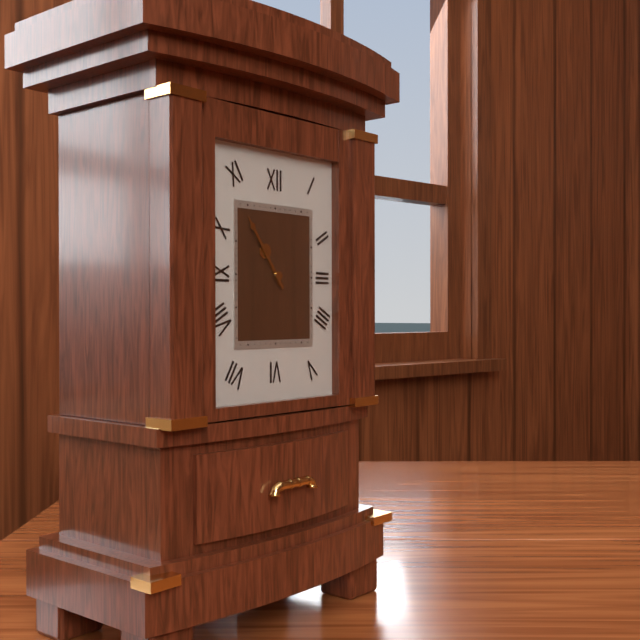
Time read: 10h54
